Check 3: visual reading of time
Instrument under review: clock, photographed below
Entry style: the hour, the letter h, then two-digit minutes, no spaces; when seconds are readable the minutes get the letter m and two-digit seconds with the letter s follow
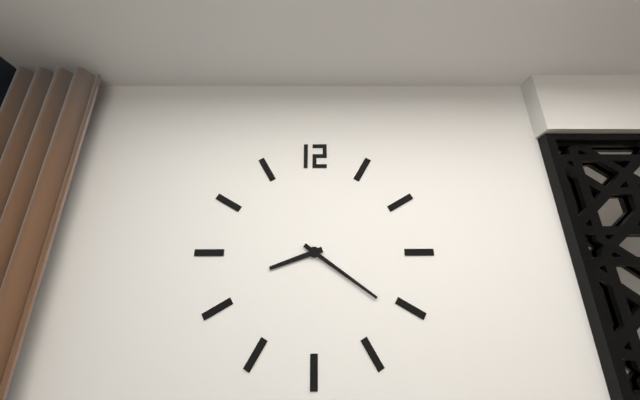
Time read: 8h21
